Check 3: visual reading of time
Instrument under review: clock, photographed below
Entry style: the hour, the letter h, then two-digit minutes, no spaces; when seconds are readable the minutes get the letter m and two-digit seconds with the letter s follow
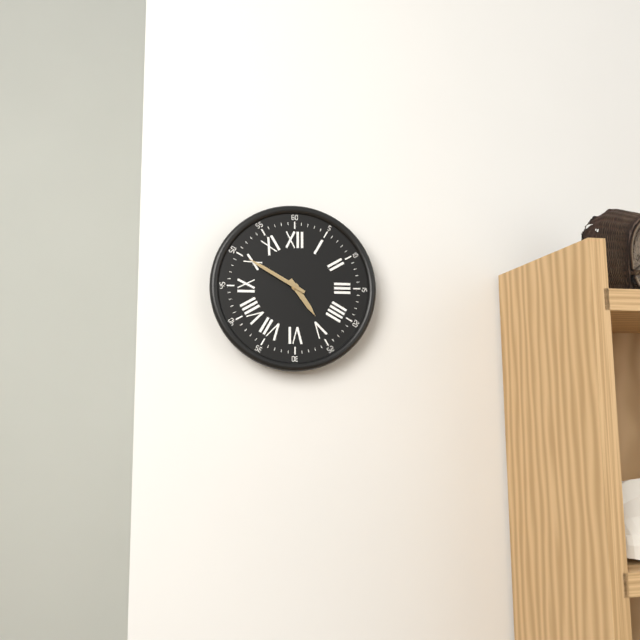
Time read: 4h50
